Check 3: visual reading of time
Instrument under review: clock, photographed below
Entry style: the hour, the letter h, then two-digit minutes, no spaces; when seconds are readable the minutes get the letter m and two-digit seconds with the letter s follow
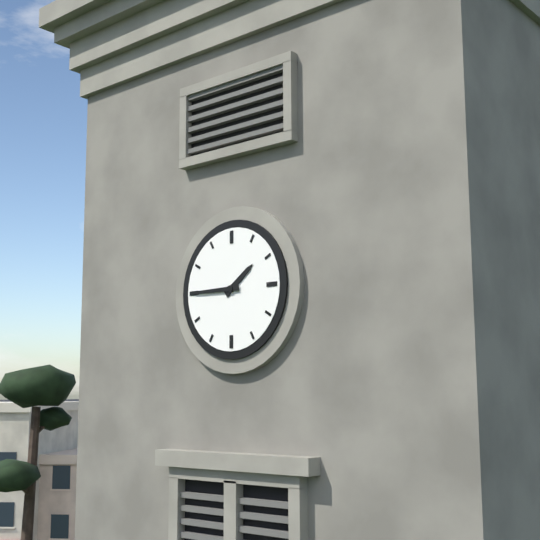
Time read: 1h45
